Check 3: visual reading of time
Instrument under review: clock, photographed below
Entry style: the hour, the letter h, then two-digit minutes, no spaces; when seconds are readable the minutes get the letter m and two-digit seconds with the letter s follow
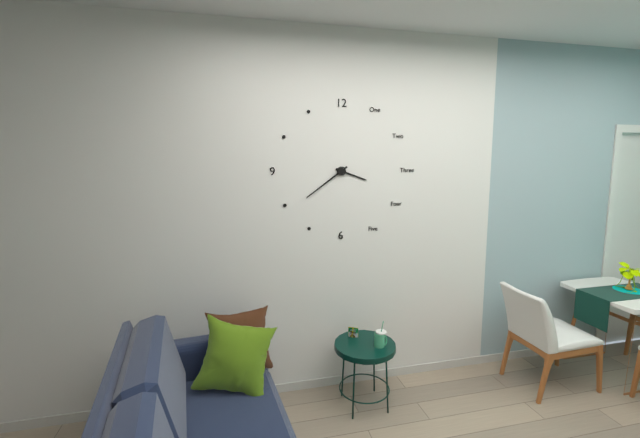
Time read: 3h39
